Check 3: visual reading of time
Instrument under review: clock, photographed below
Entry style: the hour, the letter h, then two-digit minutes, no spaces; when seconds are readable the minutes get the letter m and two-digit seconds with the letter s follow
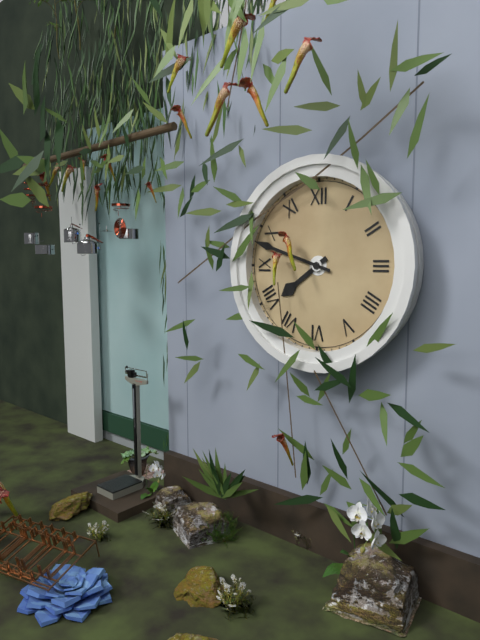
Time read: 7h48
